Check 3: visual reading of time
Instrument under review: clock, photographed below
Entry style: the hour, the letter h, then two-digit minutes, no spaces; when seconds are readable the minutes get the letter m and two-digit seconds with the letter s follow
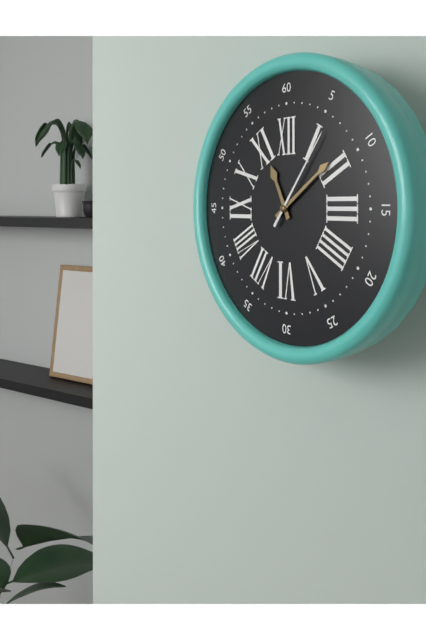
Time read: 11h09m06s
